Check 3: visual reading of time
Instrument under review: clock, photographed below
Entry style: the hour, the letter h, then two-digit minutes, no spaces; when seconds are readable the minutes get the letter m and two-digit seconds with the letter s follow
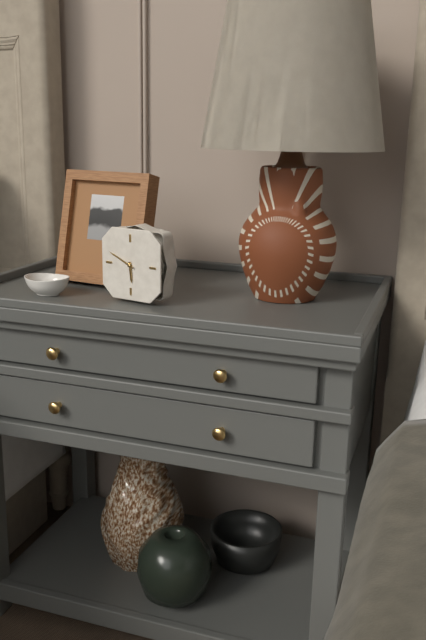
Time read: 5h49
